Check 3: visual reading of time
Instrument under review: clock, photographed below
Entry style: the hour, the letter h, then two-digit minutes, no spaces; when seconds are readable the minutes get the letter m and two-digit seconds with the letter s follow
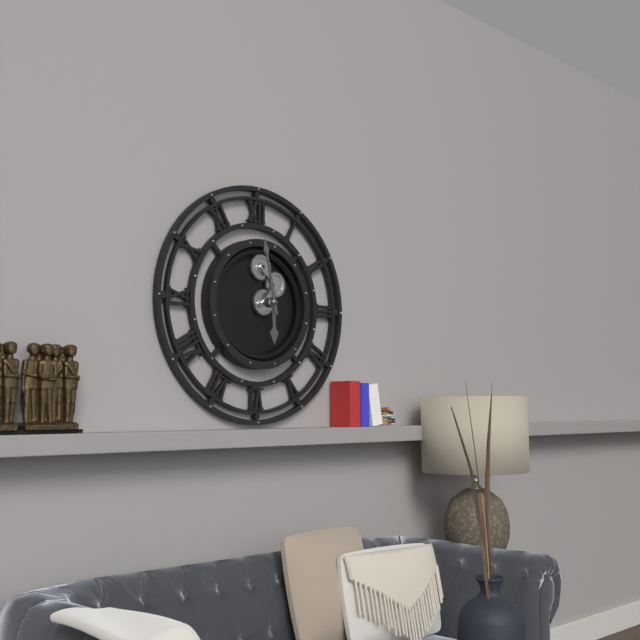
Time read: 5h58
